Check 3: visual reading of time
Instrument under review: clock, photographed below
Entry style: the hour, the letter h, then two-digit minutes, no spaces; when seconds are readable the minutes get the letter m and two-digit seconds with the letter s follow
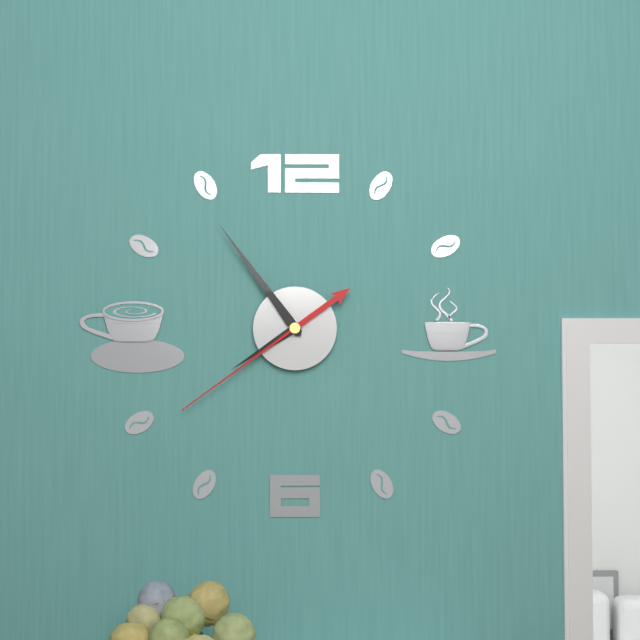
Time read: 7h54m39s
